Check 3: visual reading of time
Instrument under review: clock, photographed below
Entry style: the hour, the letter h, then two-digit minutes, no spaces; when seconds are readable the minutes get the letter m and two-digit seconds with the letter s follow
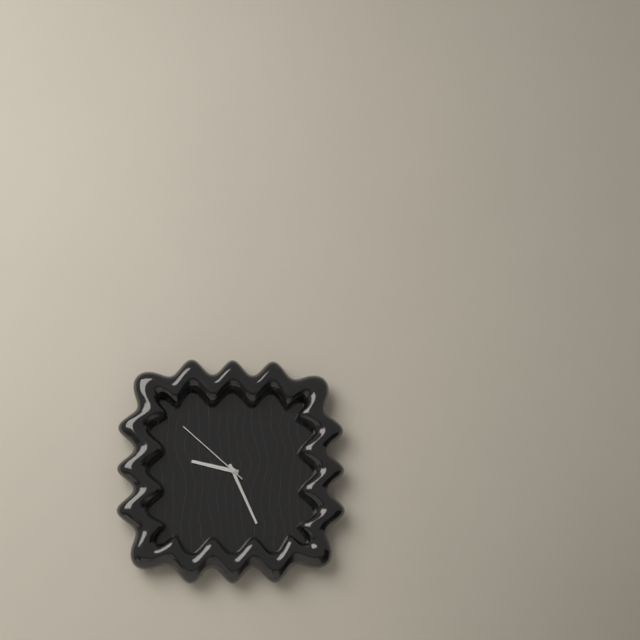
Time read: 9h26m52s
